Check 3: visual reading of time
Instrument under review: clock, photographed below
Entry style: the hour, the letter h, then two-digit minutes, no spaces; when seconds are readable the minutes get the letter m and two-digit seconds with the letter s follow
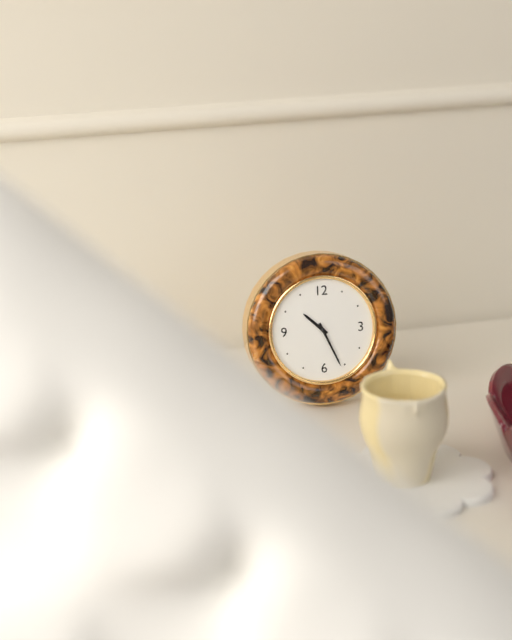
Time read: 10h26
